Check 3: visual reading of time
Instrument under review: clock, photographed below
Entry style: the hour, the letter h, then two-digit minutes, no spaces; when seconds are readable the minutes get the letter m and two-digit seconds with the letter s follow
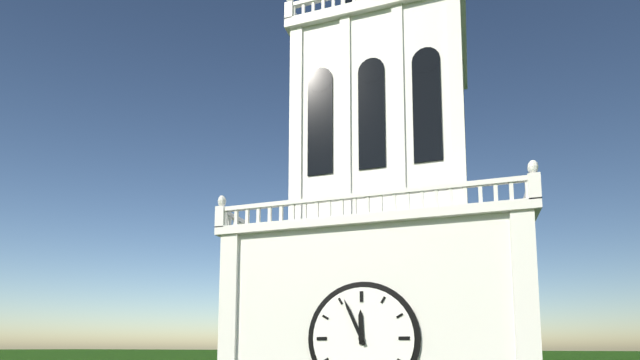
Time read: 11h56
